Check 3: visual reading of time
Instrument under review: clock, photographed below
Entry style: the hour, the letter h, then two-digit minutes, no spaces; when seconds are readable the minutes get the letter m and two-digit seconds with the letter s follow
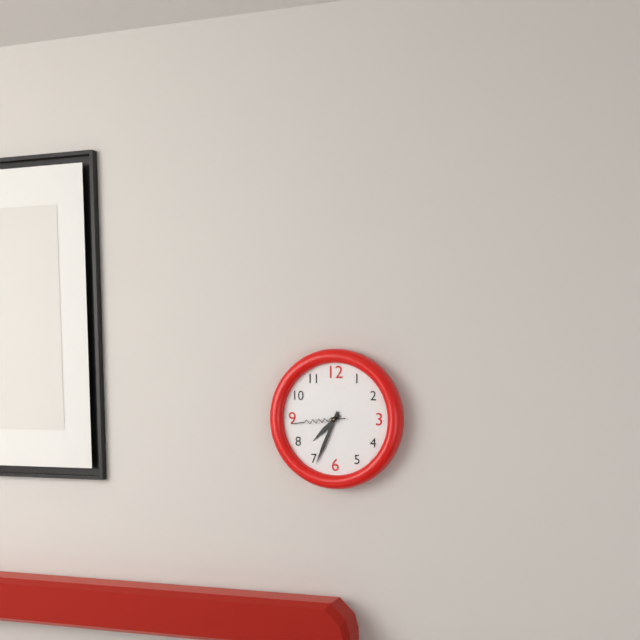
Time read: 7h34m44s
